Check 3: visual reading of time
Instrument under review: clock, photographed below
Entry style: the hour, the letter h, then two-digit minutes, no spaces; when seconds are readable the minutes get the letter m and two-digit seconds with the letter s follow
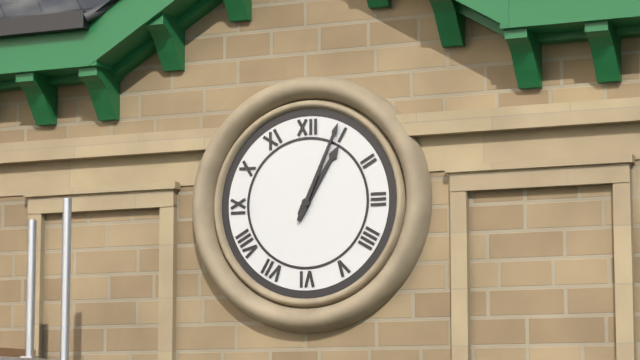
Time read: 1h04
